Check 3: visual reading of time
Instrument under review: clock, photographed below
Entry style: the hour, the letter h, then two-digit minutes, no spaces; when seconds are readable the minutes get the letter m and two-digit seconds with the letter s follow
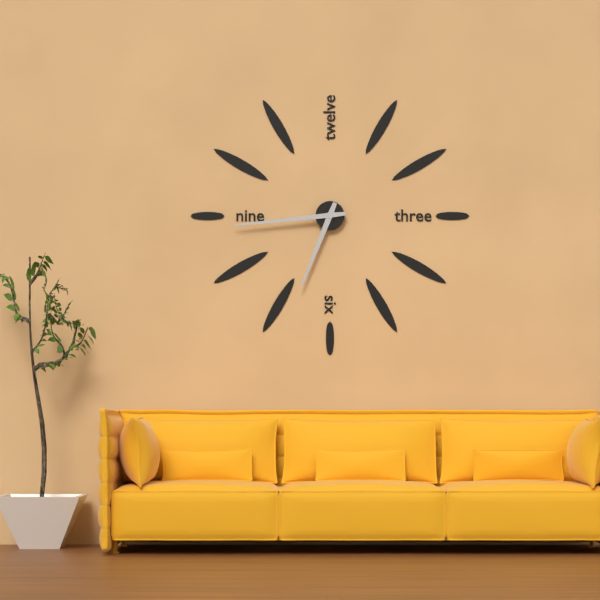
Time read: 6h44
